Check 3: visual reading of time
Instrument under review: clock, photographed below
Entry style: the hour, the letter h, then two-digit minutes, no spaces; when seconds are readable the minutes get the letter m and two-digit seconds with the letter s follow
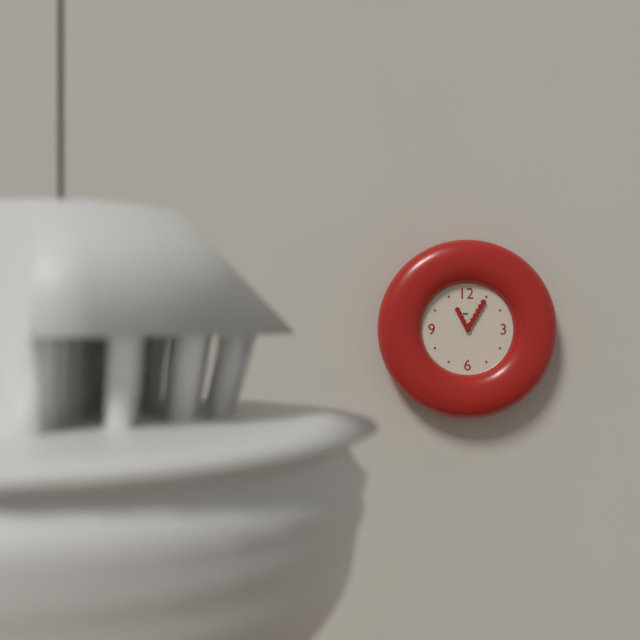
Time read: 11h05
